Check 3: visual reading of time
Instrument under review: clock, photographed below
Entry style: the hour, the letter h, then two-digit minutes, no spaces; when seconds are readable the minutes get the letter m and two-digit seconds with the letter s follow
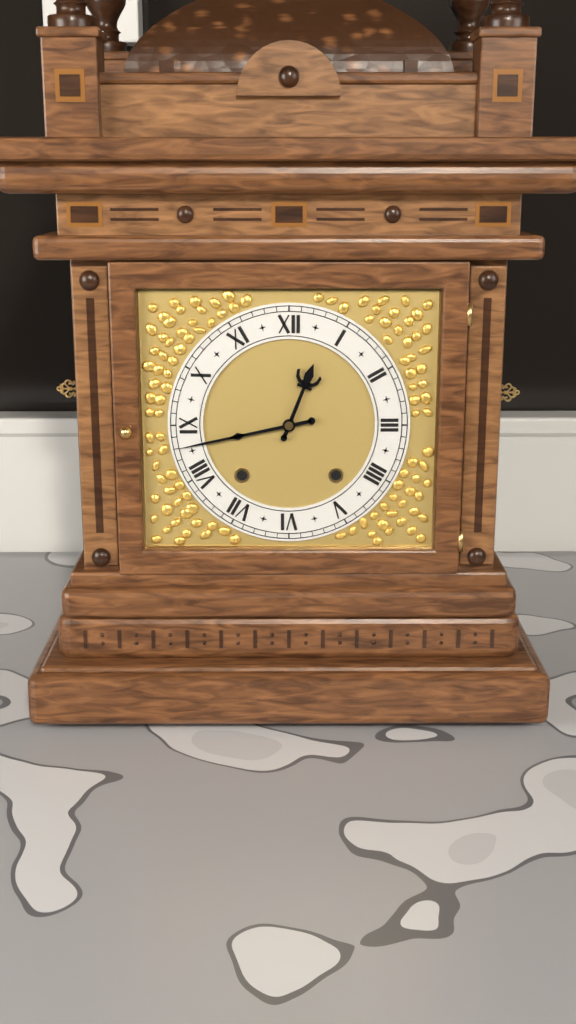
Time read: 12h43
